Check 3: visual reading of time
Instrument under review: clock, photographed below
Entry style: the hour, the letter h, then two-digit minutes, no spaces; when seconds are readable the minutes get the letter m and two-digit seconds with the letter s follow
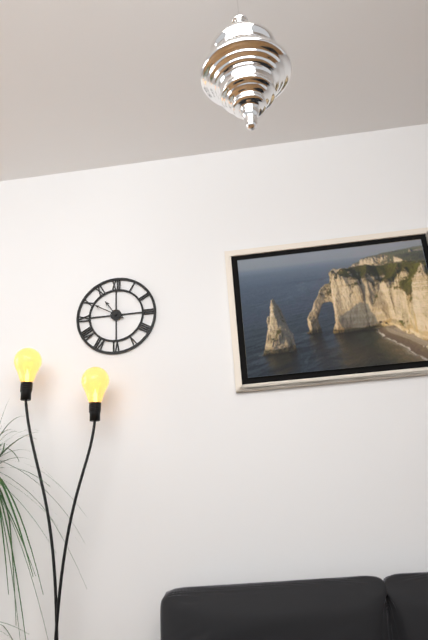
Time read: 10h50
